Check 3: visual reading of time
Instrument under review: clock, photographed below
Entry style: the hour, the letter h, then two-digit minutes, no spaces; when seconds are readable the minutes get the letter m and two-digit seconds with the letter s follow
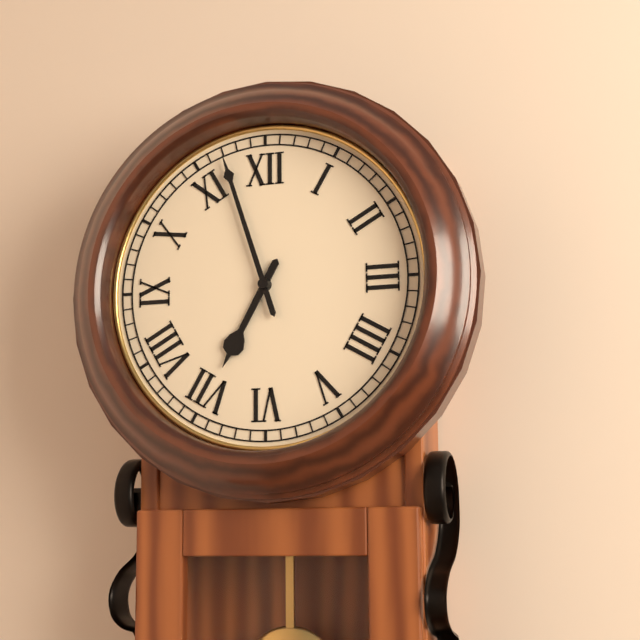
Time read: 6h57
